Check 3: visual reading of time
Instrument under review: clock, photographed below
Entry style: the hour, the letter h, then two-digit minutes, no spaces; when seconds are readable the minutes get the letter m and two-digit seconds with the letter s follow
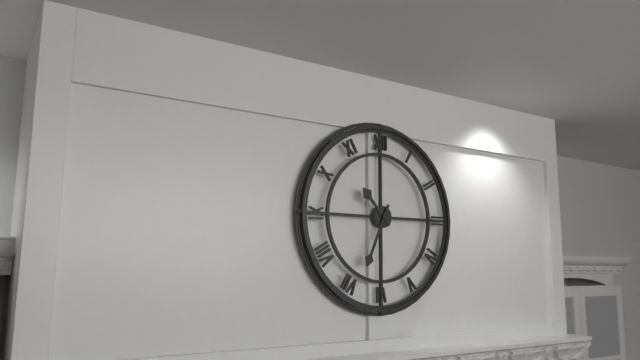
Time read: 10h34
